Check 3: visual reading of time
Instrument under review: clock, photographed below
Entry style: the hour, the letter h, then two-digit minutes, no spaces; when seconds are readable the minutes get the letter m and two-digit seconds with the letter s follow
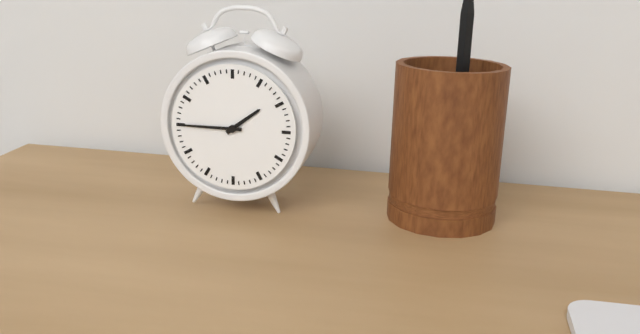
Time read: 1h45
